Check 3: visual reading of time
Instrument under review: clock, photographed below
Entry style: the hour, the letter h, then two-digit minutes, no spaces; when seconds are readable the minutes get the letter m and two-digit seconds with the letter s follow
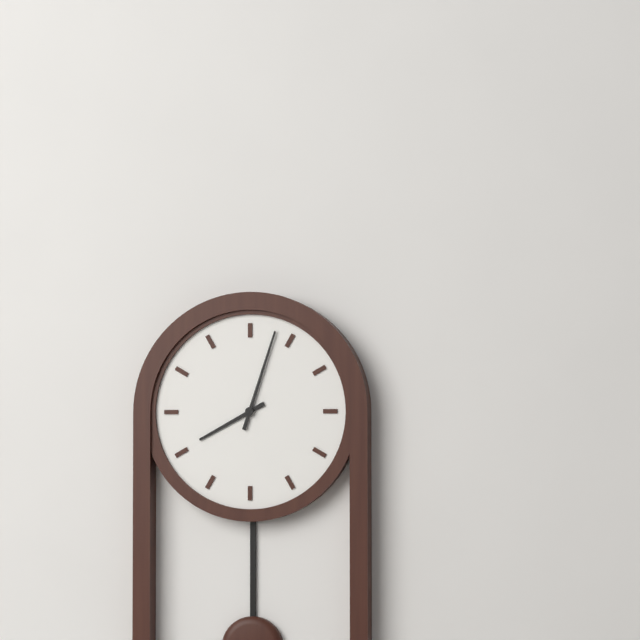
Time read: 8h03
